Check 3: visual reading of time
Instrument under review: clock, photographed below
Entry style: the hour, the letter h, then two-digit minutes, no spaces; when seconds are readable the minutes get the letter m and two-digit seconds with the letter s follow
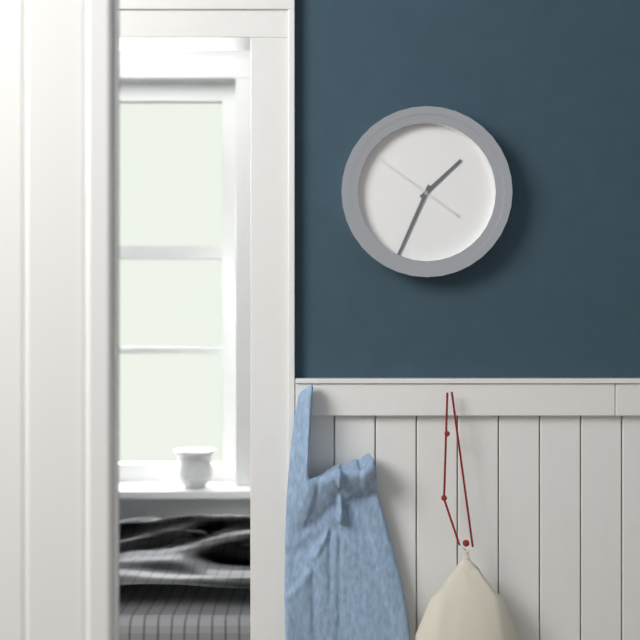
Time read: 1h34m51s
